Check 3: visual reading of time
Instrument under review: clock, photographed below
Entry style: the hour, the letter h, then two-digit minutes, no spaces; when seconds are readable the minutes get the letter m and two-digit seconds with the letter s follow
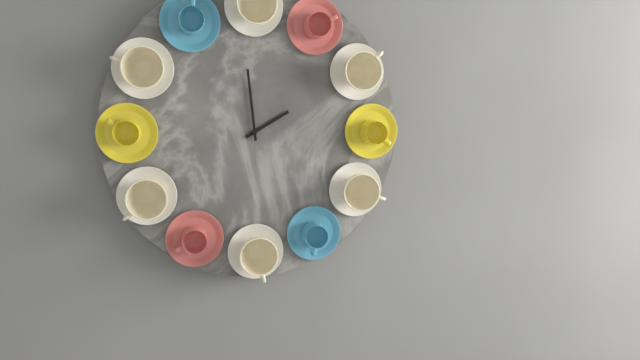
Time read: 1h59
